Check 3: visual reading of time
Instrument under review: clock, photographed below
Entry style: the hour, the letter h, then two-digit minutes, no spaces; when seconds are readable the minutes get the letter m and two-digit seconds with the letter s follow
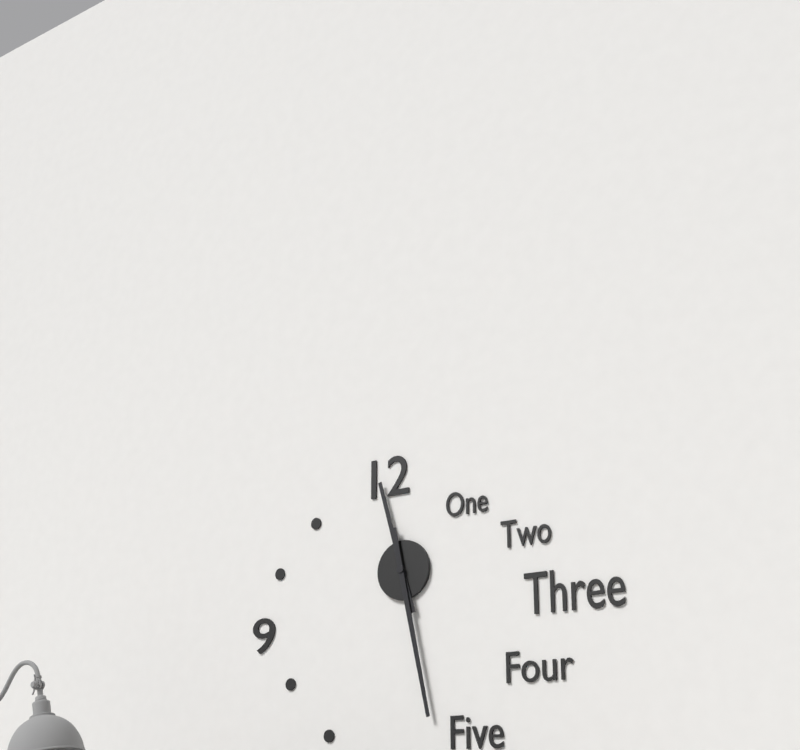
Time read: 11h28
